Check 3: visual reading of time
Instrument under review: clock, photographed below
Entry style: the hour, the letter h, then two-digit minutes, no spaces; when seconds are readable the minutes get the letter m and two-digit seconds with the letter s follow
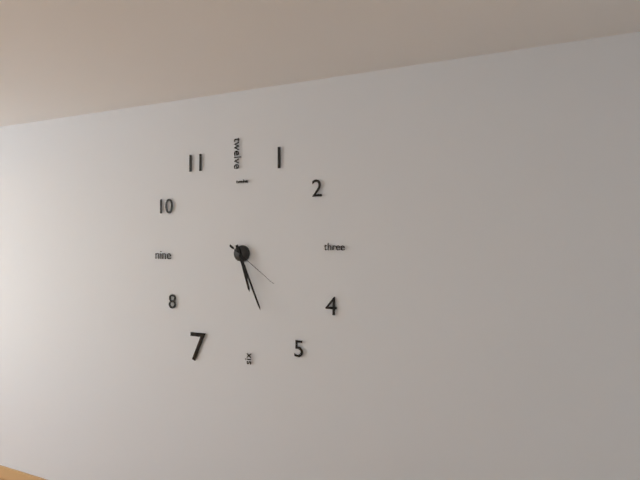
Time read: 5h26m21s
